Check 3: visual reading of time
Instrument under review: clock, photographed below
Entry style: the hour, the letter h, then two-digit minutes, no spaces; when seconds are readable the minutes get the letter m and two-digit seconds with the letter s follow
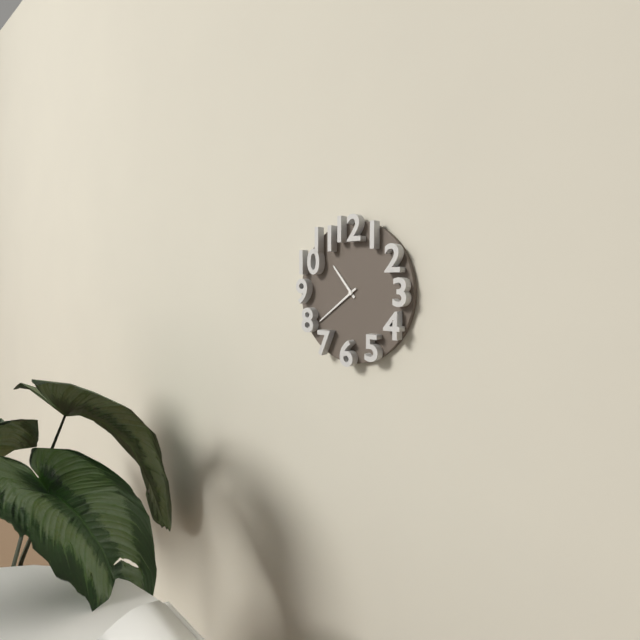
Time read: 10h39
